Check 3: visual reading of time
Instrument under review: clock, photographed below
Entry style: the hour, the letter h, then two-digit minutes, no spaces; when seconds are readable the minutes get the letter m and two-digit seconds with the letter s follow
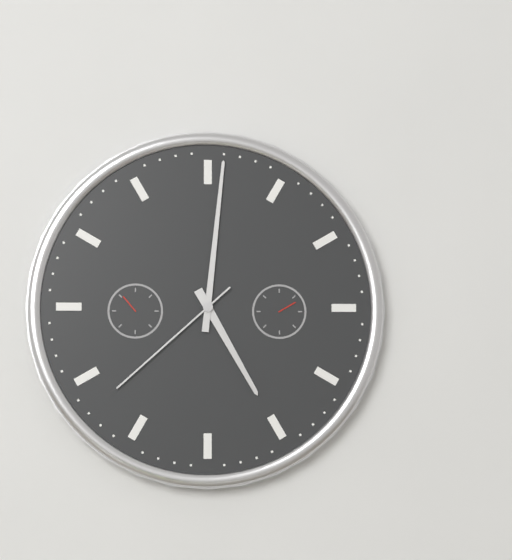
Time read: 5h01m38s
